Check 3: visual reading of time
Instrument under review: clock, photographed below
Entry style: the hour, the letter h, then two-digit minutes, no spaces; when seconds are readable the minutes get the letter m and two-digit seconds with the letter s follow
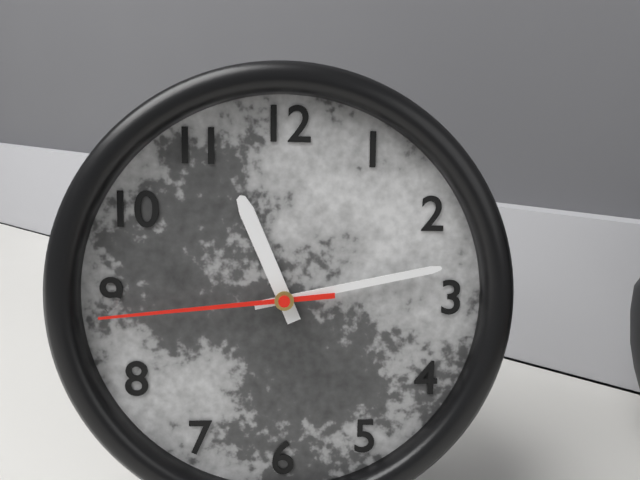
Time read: 11h13m44s
